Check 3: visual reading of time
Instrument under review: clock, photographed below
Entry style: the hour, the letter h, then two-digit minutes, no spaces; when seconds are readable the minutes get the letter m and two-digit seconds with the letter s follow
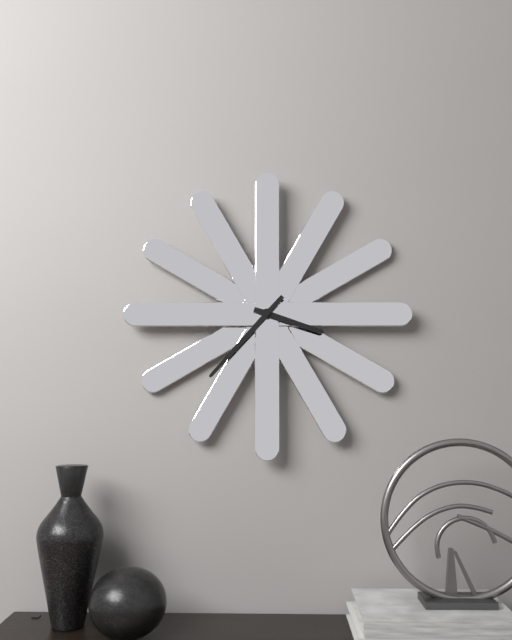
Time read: 3h37
